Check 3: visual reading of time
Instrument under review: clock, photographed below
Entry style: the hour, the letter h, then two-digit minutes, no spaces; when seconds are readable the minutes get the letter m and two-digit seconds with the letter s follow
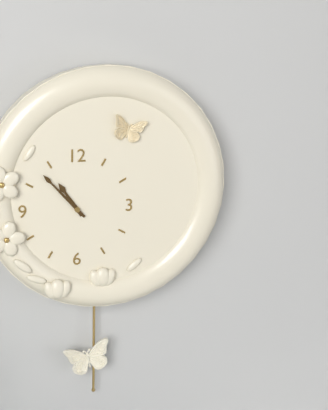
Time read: 10h53
